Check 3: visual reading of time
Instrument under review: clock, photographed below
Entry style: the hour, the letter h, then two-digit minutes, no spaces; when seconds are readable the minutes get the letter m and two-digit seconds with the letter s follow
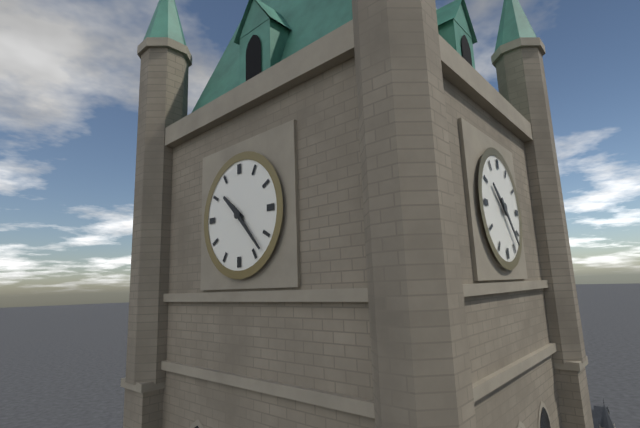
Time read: 10h23
